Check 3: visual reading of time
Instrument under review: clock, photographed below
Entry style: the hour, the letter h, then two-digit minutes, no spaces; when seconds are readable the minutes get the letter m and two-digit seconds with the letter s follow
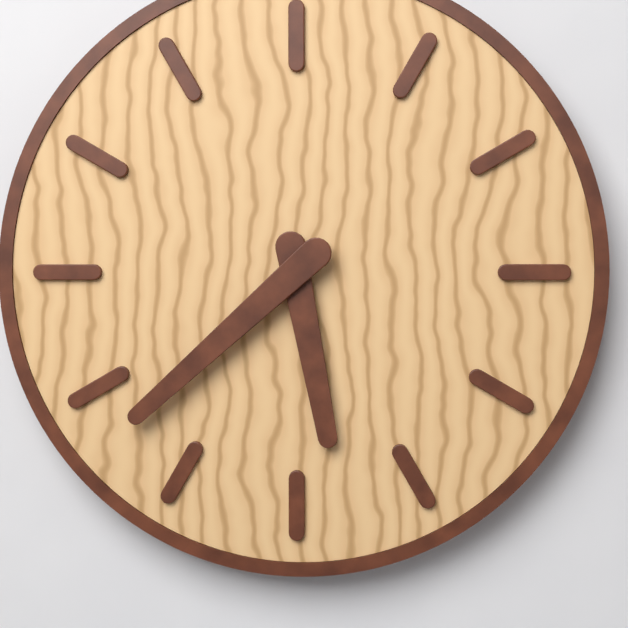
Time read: 5h38
